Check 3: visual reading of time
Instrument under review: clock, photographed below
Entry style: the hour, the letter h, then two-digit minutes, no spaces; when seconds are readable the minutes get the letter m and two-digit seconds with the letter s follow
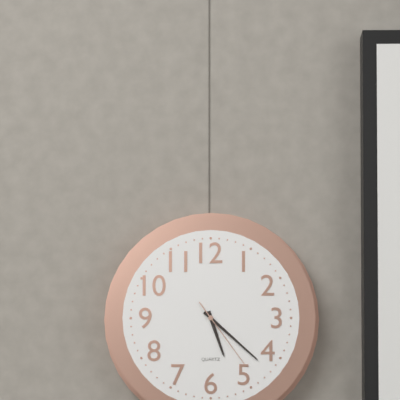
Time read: 5h22m24s
